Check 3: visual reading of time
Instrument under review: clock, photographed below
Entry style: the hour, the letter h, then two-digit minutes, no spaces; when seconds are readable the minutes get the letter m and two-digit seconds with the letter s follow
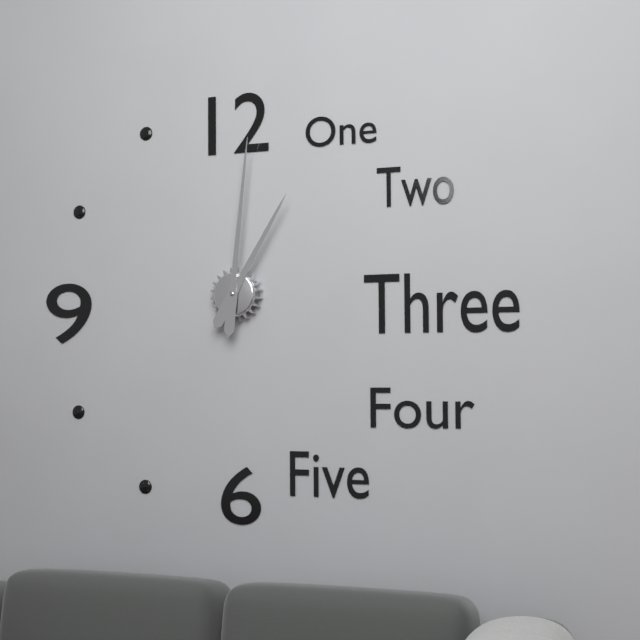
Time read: 1h01
